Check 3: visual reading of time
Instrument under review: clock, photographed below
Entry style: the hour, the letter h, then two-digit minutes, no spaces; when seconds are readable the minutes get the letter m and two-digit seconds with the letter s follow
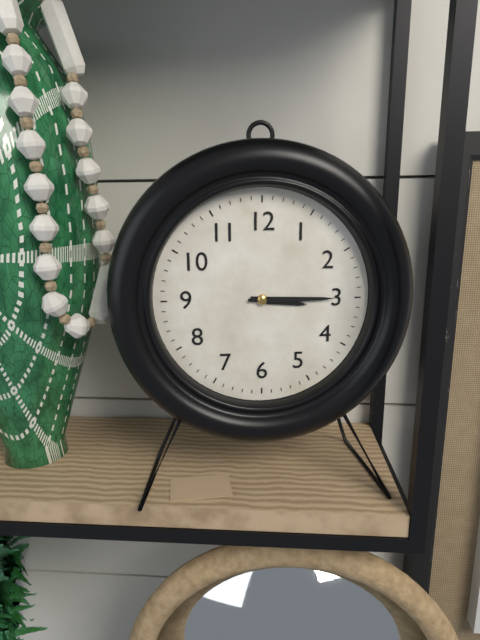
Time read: 3h15
